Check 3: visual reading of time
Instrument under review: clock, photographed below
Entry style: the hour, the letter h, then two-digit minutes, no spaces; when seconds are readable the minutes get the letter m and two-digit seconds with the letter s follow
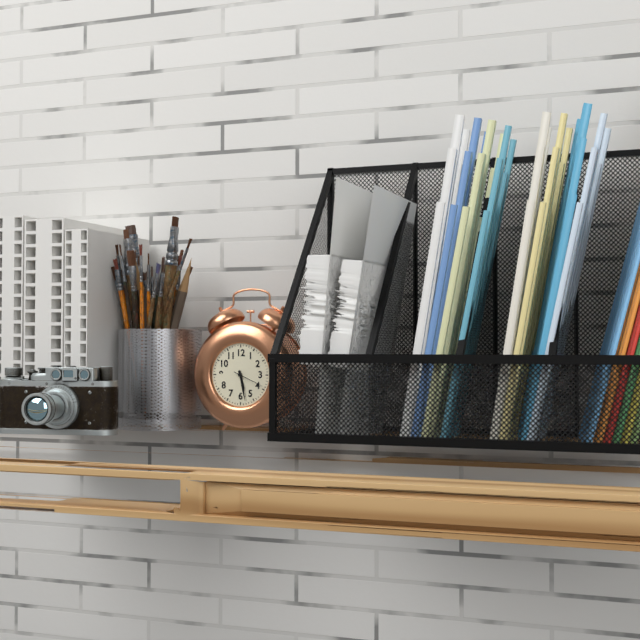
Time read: 5h28
